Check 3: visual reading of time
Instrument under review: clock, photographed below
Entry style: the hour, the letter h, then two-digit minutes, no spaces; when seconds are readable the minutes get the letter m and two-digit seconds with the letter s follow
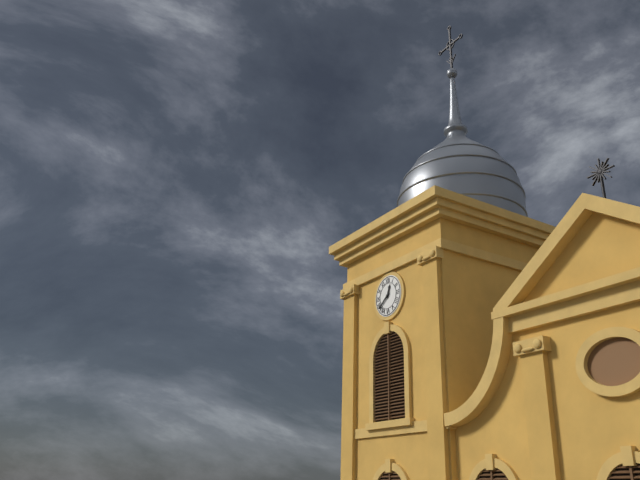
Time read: 12h39
